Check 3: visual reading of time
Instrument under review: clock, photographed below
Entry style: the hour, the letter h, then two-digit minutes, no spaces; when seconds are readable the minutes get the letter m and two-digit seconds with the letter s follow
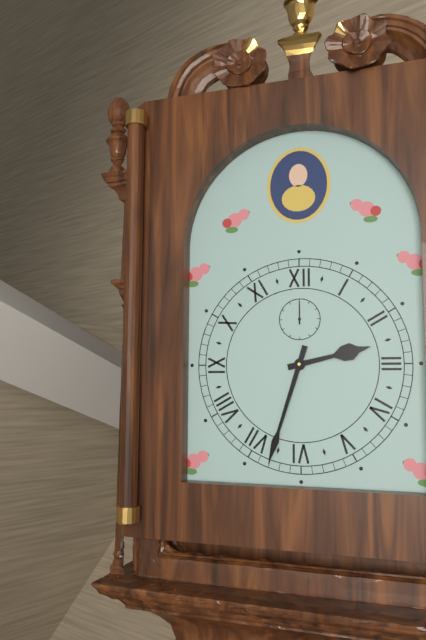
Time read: 2h33
